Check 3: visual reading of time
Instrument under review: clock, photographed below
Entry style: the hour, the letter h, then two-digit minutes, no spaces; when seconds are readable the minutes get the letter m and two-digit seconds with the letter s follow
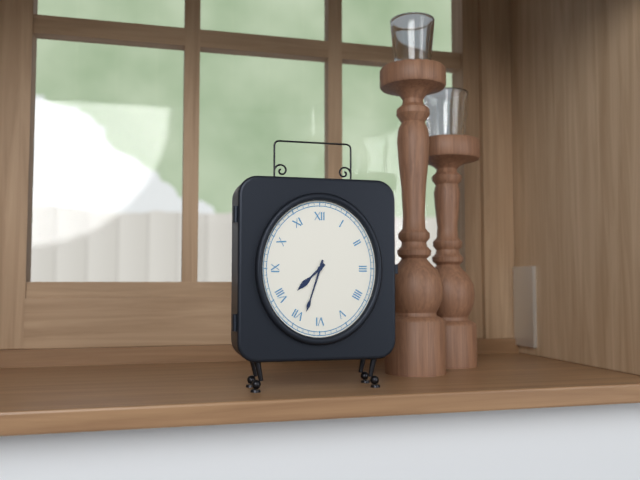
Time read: 7h33
